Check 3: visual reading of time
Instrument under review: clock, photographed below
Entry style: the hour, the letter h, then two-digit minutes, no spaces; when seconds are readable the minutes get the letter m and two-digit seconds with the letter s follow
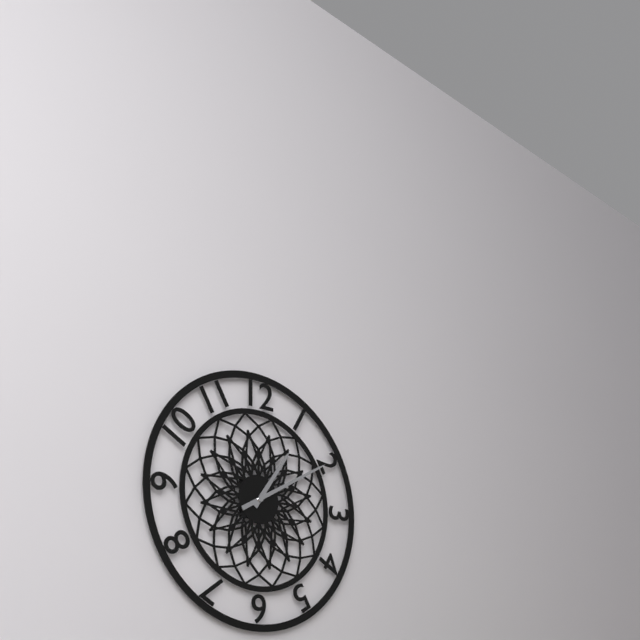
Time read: 1h10
